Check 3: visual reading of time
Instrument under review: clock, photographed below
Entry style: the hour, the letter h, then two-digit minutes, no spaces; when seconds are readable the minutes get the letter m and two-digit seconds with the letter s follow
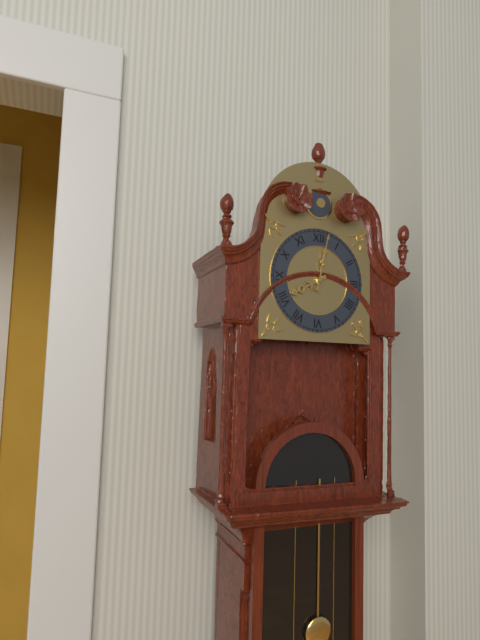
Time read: 8h02
